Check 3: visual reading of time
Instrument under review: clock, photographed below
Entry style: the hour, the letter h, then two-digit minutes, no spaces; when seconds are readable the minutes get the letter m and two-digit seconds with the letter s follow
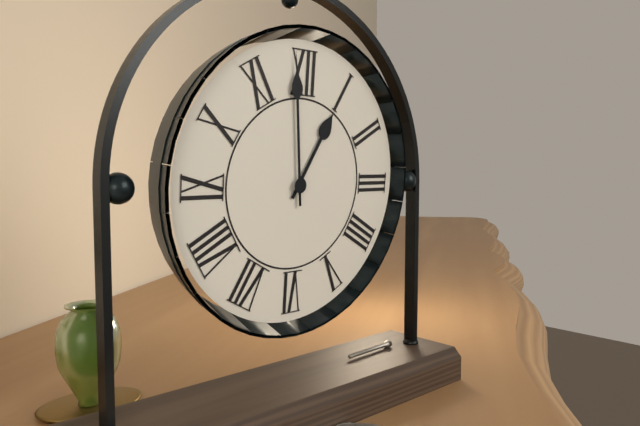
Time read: 12h59
